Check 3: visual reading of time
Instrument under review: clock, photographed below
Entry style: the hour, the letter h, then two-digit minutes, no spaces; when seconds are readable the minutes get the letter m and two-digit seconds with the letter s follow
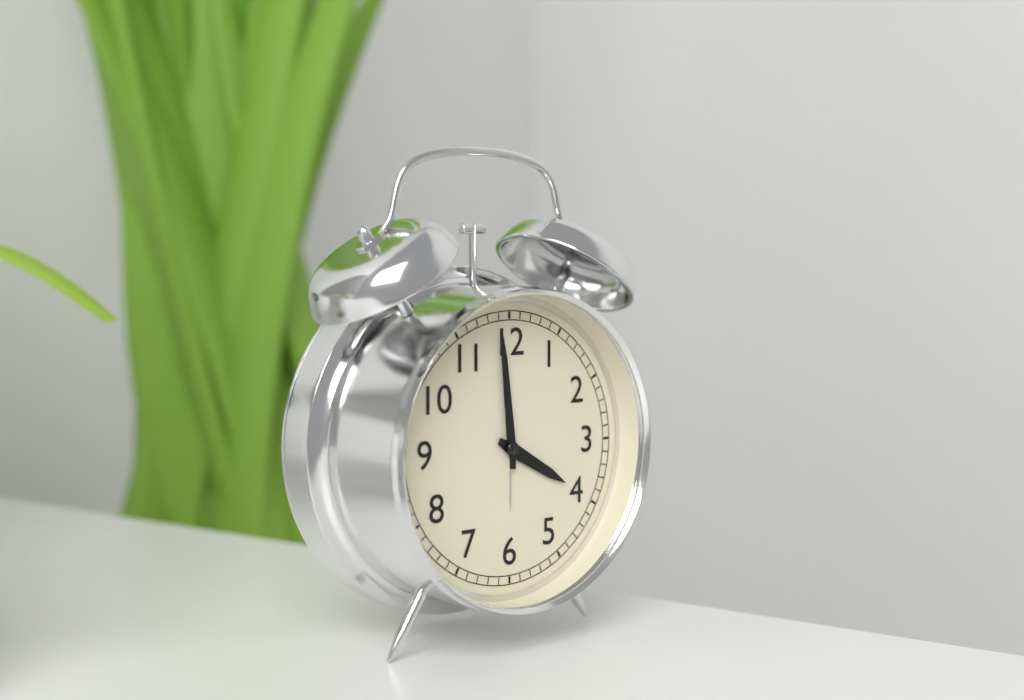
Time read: 3h59
